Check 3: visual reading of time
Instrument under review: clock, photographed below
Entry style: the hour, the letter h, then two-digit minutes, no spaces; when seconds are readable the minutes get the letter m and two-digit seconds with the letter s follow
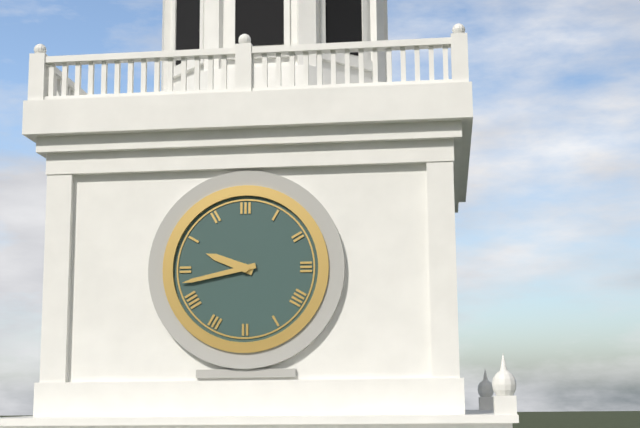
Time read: 9h43
